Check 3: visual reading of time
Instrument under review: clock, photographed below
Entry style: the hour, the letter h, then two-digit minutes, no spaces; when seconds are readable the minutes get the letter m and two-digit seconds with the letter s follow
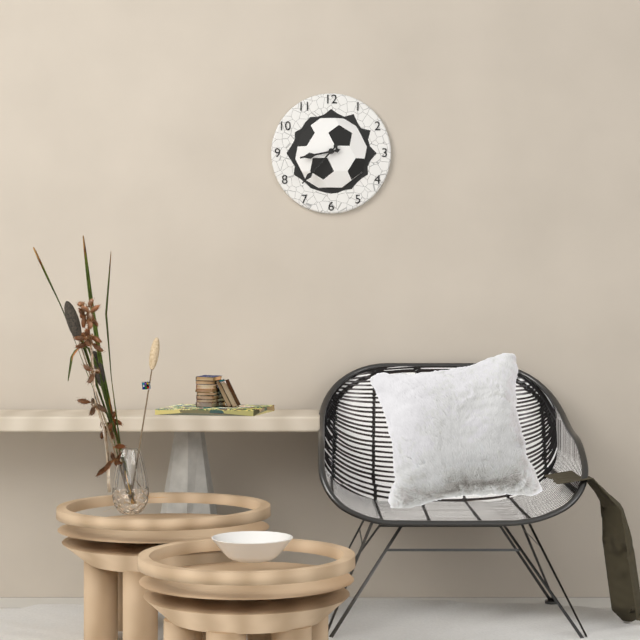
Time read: 8h37
